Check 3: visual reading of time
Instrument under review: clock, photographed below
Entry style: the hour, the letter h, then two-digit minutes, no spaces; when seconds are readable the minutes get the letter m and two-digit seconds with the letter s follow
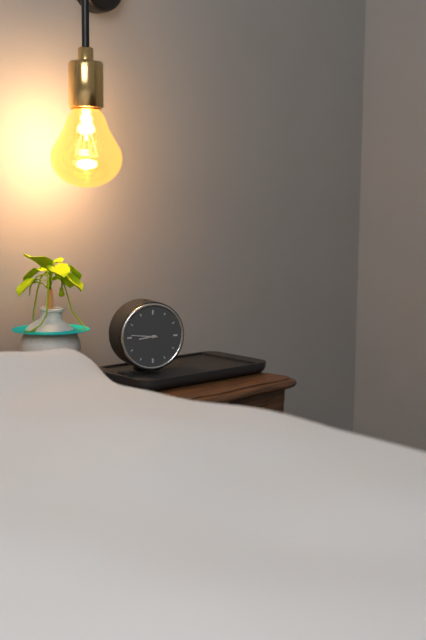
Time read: 8h46
